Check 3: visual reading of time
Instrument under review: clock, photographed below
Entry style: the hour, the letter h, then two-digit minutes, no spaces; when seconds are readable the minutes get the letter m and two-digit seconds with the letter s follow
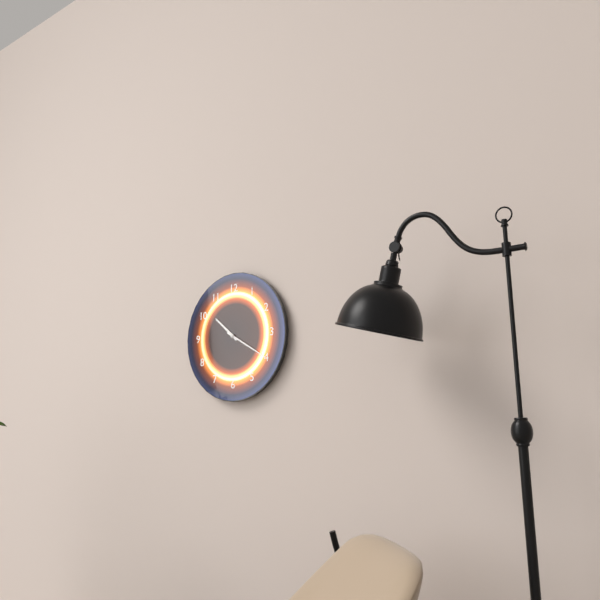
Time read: 10h20
